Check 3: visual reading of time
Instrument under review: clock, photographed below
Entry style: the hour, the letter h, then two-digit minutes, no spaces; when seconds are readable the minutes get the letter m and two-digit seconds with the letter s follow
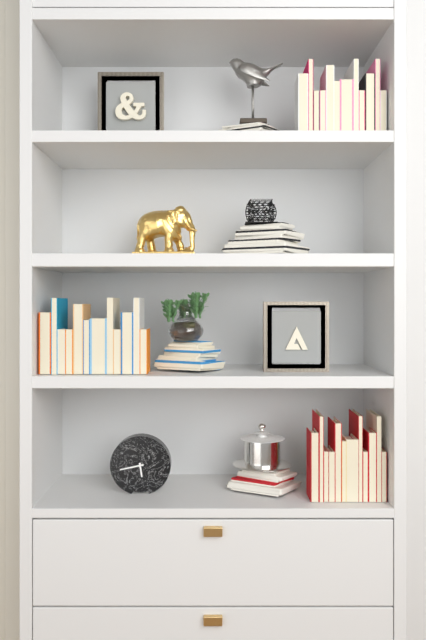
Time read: 5h43
